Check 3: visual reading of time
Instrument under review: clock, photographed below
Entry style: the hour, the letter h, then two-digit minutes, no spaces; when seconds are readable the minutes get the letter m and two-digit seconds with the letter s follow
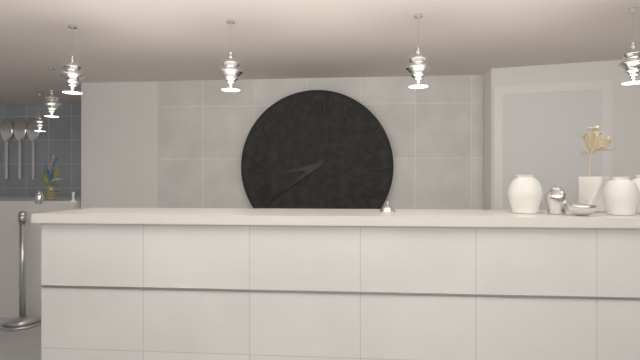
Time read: 8h39
